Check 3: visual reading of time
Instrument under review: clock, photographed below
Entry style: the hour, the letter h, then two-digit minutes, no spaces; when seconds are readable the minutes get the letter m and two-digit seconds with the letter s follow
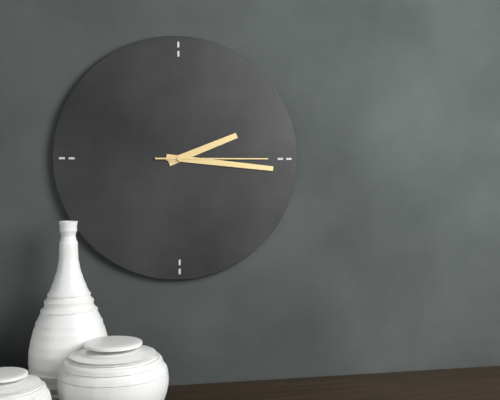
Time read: 2h16m15s
